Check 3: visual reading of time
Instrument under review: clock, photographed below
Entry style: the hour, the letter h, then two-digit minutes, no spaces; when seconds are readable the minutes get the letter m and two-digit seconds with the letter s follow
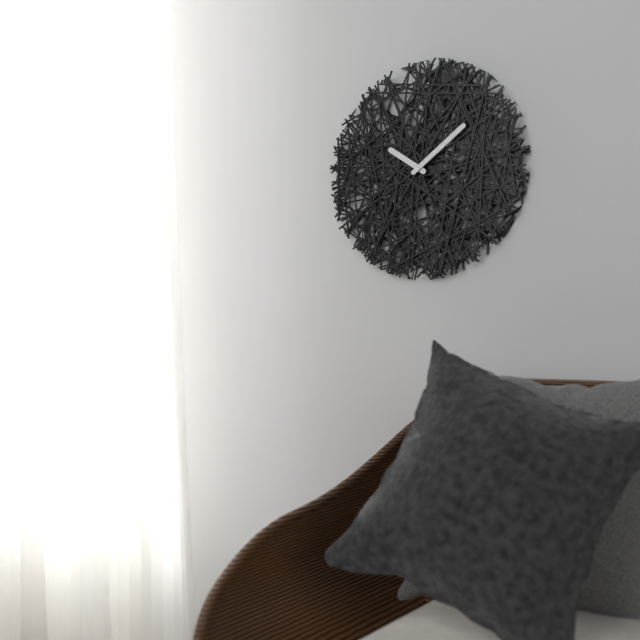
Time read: 10h09
